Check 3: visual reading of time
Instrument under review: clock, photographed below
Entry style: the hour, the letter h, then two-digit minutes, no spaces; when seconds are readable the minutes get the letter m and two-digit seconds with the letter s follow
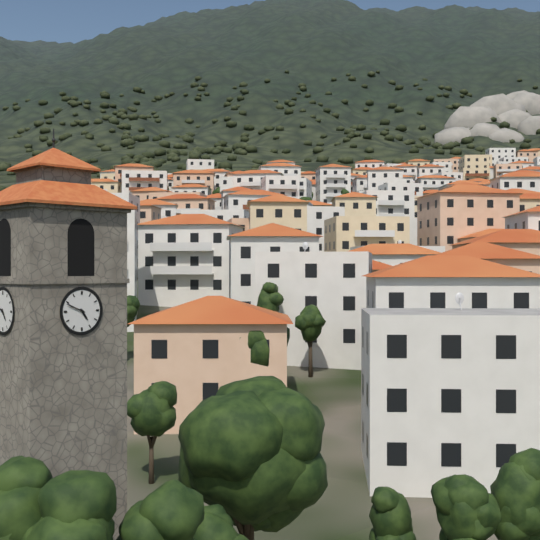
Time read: 4h49
